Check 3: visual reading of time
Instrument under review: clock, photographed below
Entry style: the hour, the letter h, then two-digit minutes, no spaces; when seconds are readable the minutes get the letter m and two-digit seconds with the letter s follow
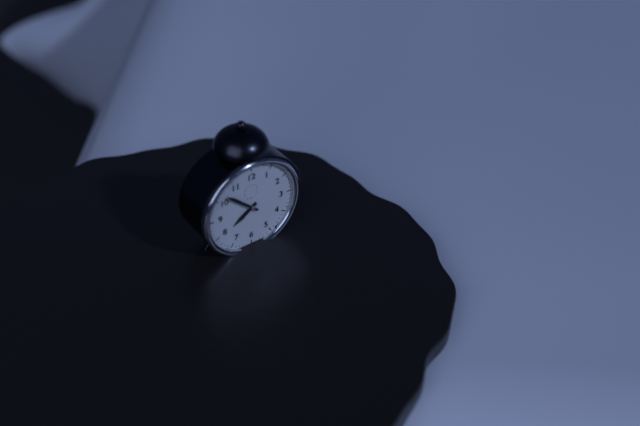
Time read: 7h52
